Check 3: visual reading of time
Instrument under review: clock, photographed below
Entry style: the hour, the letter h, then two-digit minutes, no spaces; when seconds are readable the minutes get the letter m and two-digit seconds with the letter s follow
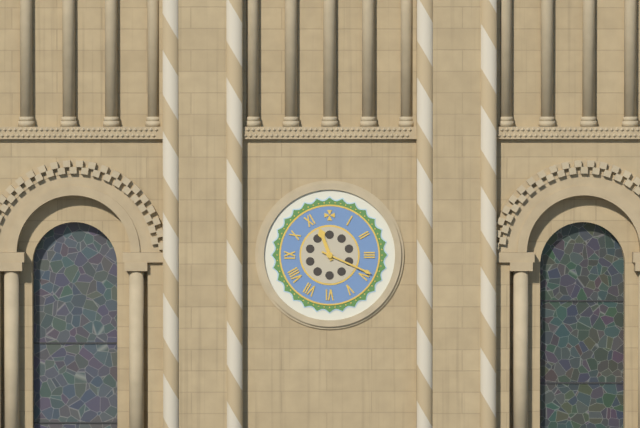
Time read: 11h19
